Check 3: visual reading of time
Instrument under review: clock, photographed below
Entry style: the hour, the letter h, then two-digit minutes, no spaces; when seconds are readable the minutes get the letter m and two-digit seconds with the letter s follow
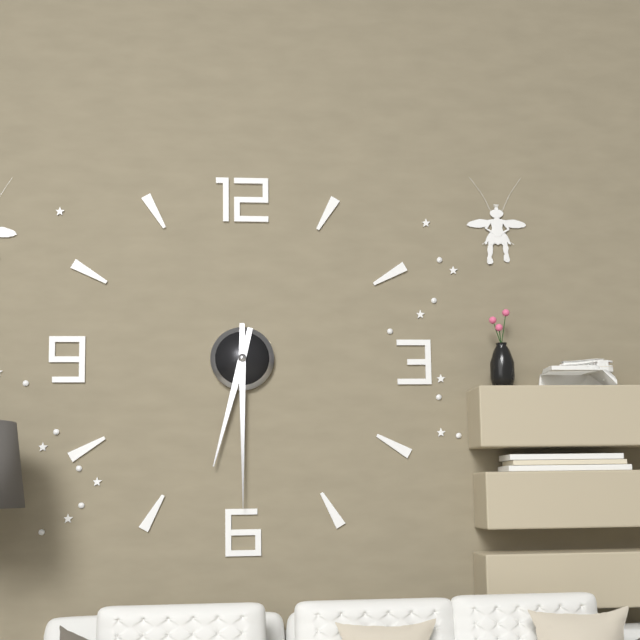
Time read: 6h30
